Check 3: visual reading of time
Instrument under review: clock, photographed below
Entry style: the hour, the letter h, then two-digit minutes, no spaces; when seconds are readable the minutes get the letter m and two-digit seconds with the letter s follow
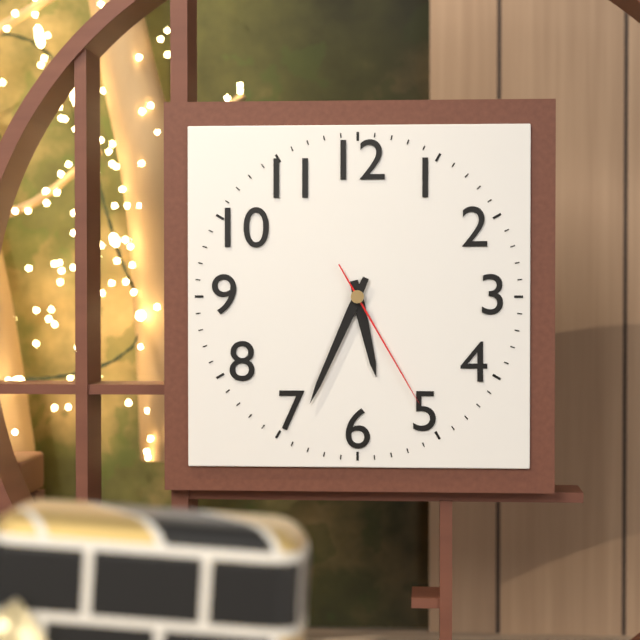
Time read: 5h34m25s
